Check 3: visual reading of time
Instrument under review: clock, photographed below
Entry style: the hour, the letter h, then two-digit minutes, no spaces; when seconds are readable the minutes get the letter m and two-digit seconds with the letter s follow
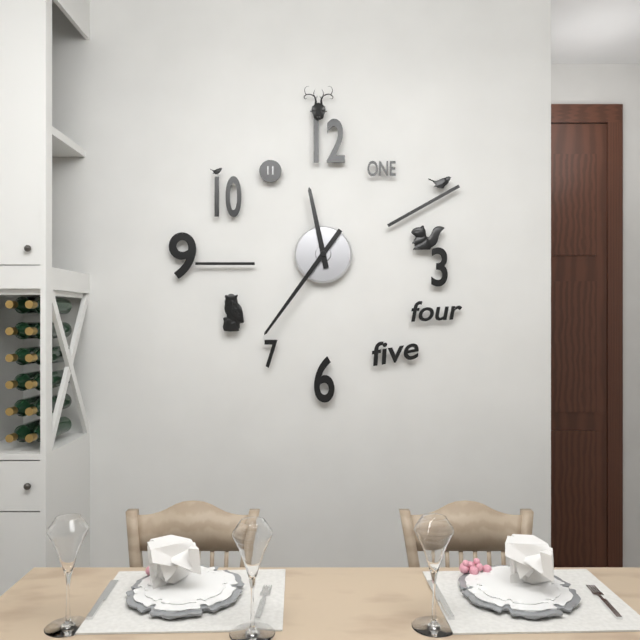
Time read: 11h36
